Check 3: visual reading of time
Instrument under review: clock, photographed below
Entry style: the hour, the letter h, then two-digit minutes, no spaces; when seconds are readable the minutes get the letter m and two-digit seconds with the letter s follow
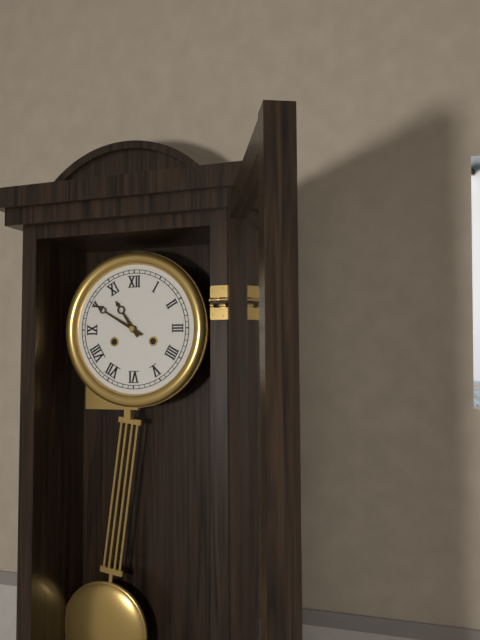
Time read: 10h50
